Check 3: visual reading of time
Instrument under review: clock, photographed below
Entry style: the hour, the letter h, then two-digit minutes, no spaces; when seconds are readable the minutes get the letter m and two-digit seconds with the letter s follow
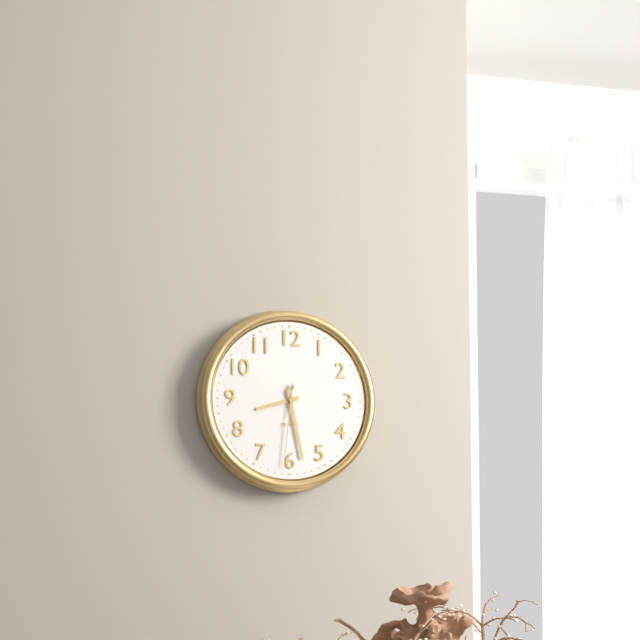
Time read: 8h28m31s
